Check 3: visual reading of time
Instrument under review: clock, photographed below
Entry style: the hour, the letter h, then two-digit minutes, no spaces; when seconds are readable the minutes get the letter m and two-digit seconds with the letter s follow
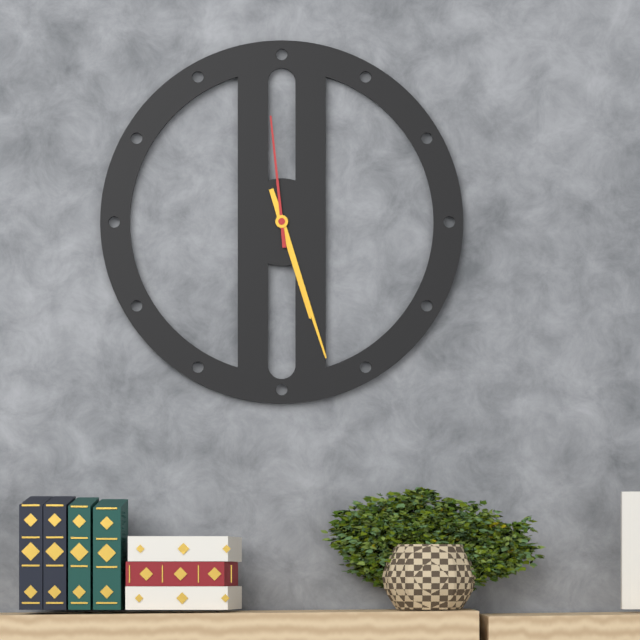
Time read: 5h27m59s
